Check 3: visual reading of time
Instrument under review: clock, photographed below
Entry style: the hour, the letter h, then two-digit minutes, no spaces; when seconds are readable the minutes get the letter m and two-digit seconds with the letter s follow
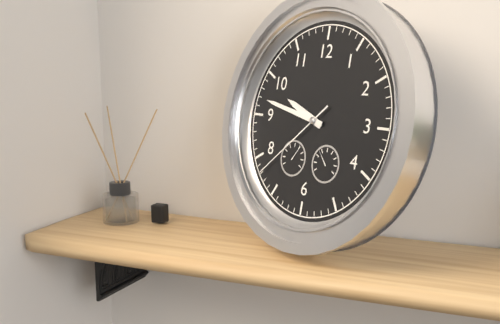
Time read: 9h47m38s
